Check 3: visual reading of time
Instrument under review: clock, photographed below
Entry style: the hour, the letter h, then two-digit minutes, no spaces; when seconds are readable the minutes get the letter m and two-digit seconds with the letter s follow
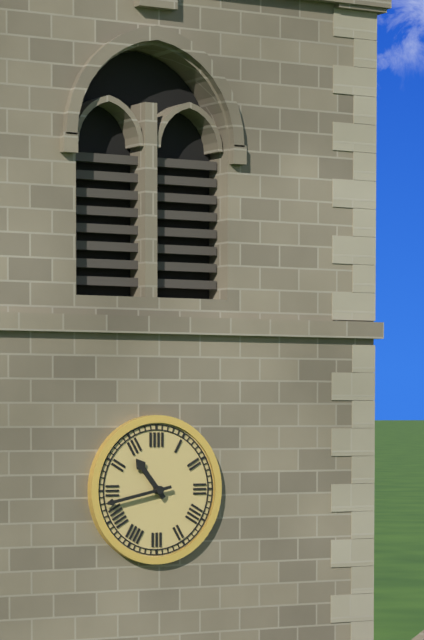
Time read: 10h43
